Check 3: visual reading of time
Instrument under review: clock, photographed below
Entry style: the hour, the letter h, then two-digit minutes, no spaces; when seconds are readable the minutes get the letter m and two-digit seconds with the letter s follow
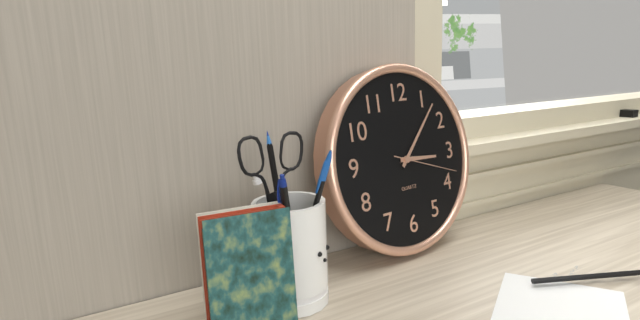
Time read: 3h07m18s
